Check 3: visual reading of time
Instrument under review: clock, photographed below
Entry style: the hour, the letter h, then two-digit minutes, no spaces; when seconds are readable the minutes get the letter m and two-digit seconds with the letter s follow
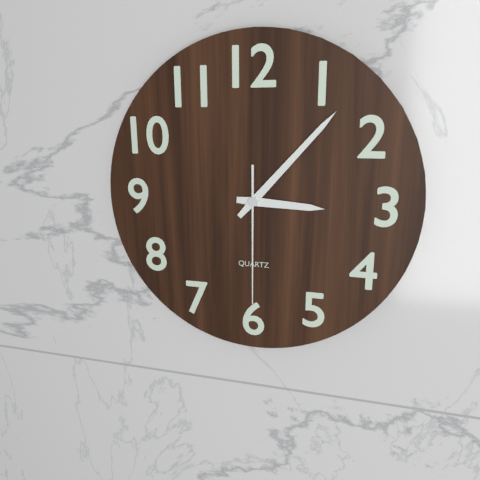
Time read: 3h07m30s
